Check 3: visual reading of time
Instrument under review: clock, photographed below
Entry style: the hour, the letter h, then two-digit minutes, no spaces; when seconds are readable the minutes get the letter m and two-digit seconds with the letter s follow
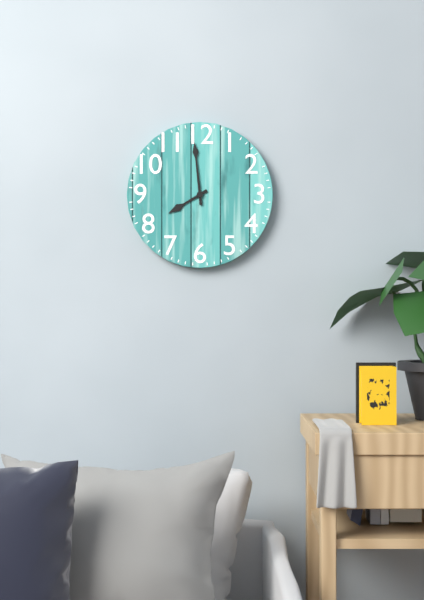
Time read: 7h59
